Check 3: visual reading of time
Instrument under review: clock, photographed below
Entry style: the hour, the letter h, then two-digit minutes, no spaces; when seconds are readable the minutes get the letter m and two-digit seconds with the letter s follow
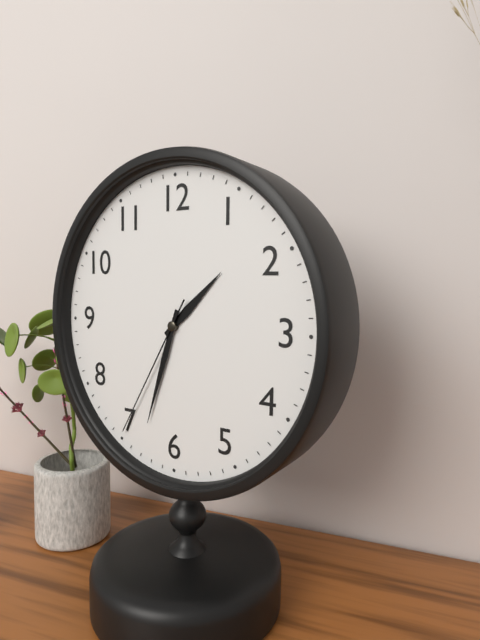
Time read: 1h33m35s
